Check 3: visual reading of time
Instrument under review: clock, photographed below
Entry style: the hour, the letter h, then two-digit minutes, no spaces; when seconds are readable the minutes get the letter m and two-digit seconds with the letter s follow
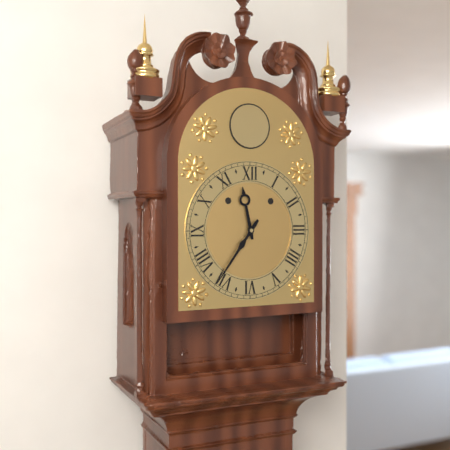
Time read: 11h36
